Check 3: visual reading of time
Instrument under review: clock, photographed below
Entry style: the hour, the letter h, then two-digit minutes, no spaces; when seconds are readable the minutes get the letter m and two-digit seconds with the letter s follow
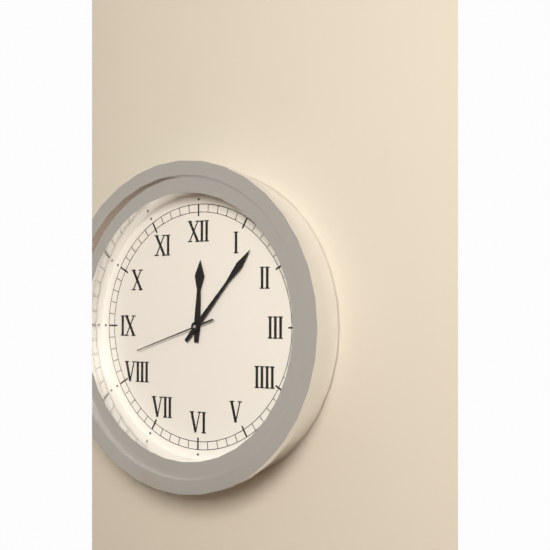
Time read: 12h07m42s
